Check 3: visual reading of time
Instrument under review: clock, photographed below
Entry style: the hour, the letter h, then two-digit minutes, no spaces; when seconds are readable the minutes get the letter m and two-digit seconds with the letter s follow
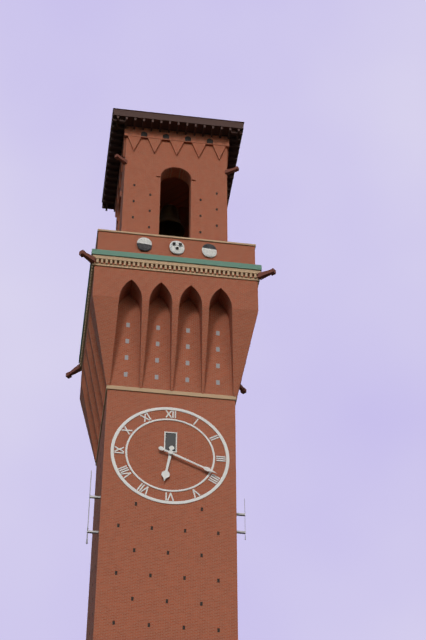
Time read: 6h19
